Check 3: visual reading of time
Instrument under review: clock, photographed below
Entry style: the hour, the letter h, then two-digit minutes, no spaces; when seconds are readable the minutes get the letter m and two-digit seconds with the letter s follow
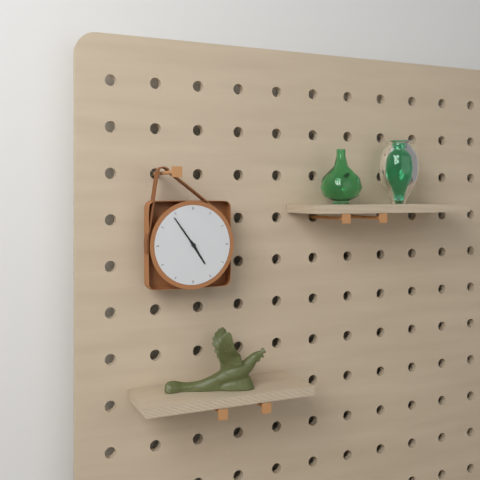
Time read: 4h54
